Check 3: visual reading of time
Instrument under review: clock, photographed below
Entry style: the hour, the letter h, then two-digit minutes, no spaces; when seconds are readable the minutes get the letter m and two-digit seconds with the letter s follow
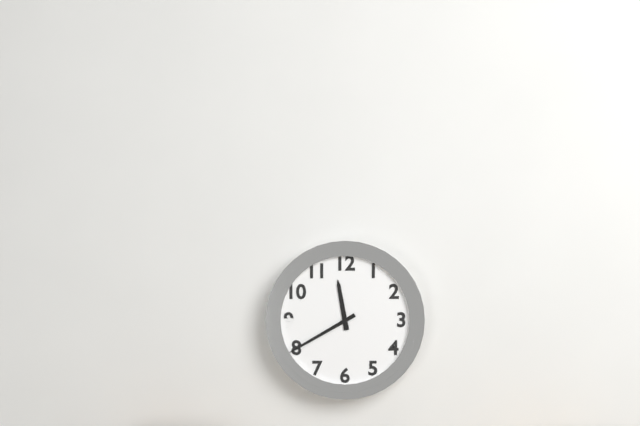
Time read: 11h40
